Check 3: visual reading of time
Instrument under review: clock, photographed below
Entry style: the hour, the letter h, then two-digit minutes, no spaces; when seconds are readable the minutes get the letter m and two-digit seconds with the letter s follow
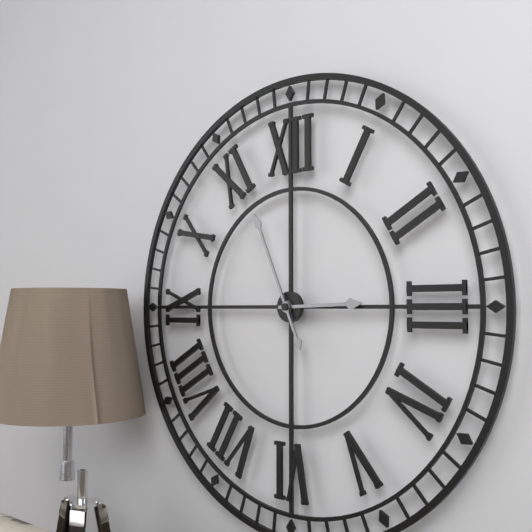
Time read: 2h56
